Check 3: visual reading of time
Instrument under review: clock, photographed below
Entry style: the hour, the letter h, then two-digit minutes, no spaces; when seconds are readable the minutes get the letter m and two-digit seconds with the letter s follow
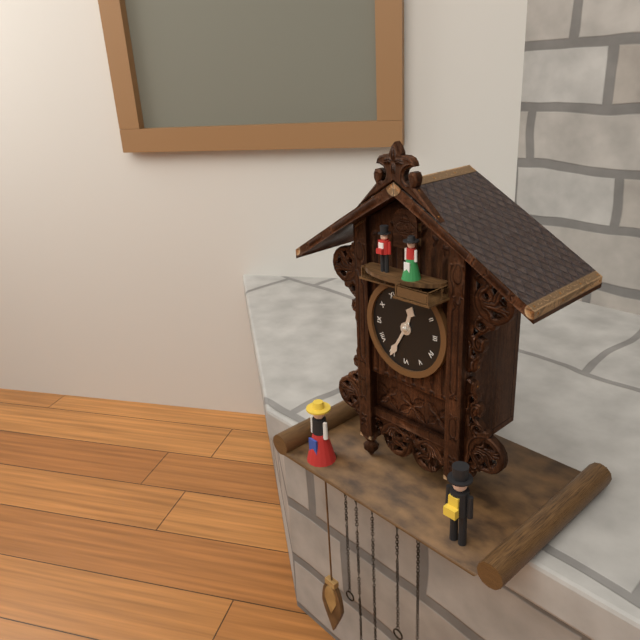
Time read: 12h35
